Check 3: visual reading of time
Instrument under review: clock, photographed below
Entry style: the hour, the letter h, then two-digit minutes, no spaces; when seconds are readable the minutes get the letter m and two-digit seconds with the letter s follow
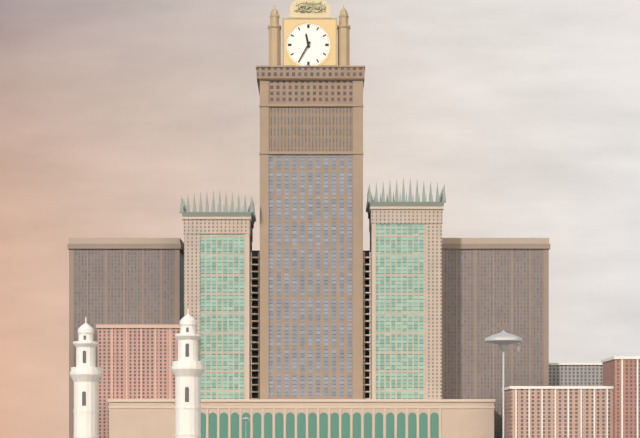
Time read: 11h35
